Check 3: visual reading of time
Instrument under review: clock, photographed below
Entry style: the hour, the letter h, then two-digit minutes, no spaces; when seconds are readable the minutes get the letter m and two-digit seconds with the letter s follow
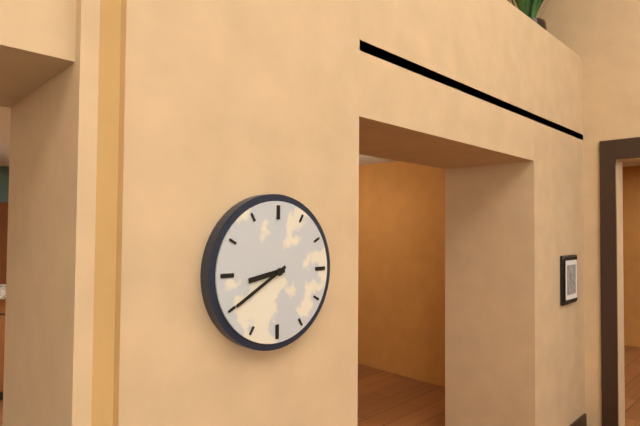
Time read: 8h40
